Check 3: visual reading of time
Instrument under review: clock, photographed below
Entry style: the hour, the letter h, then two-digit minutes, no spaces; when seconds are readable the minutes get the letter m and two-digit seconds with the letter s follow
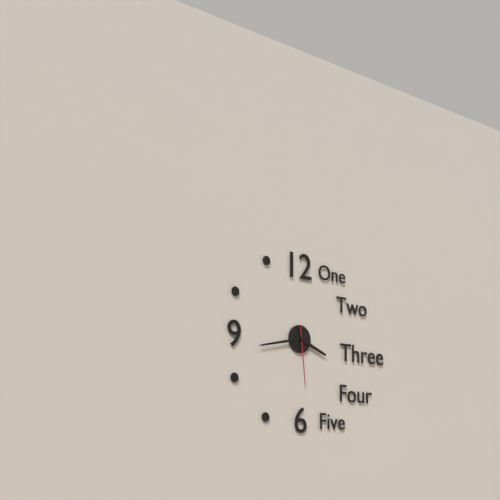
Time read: 3h43m29s
